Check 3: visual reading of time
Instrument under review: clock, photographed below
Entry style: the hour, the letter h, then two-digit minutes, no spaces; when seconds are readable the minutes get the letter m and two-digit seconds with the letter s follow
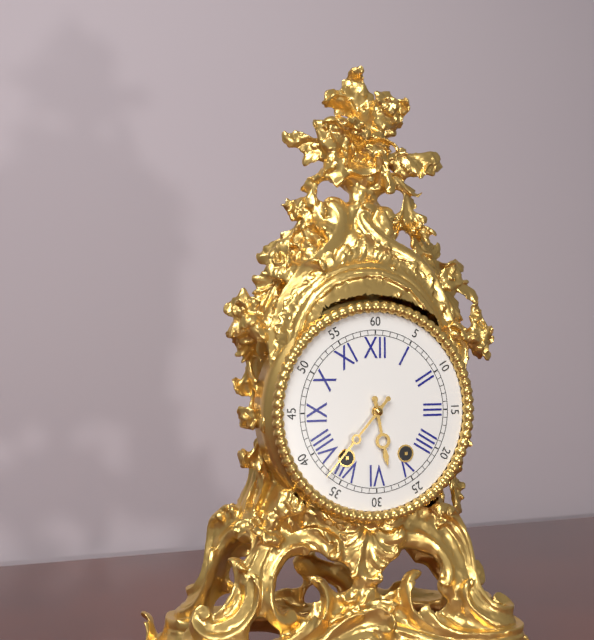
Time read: 5h37
